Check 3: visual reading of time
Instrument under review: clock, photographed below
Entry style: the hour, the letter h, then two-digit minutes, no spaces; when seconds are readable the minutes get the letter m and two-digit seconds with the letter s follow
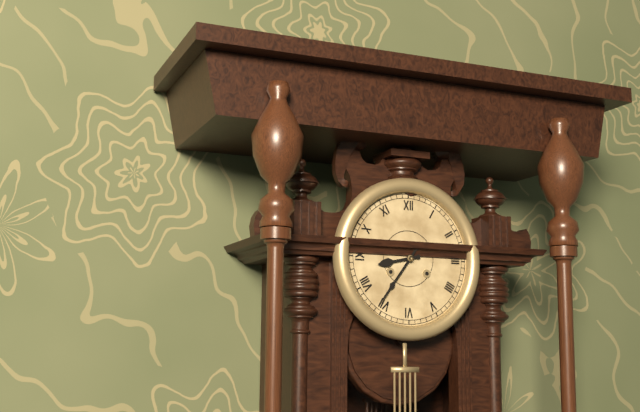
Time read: 8h36
